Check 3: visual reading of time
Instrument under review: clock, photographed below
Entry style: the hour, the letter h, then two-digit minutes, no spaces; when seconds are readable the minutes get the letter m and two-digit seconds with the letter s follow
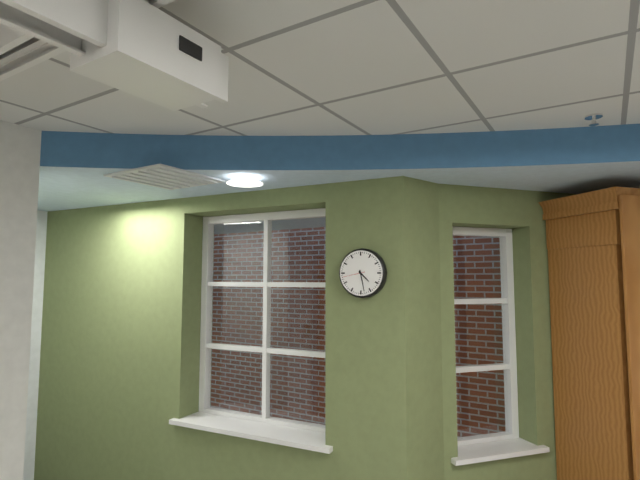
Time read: 4h28
